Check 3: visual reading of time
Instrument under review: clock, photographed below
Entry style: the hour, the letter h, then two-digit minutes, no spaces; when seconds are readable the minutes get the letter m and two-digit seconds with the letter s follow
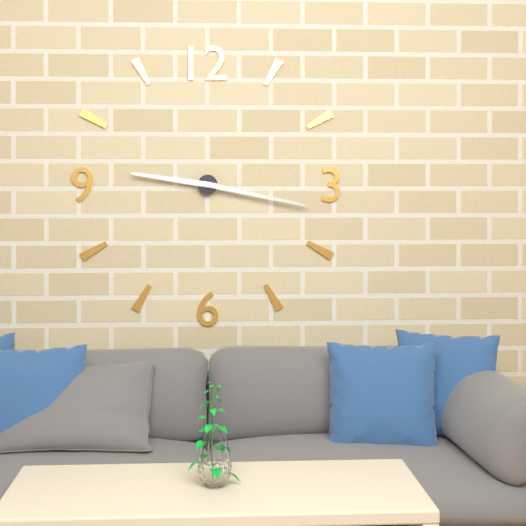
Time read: 9h17
